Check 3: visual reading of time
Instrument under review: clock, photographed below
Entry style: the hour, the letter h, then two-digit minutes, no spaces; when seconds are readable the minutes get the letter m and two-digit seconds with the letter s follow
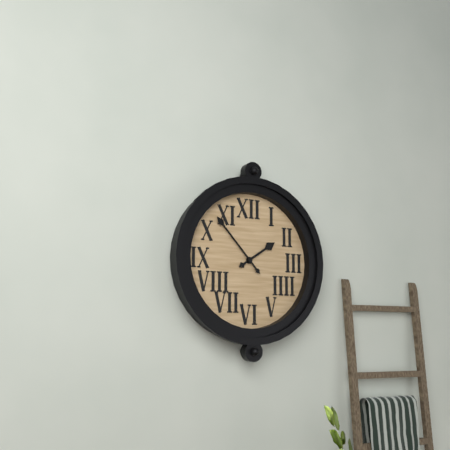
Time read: 1h53
